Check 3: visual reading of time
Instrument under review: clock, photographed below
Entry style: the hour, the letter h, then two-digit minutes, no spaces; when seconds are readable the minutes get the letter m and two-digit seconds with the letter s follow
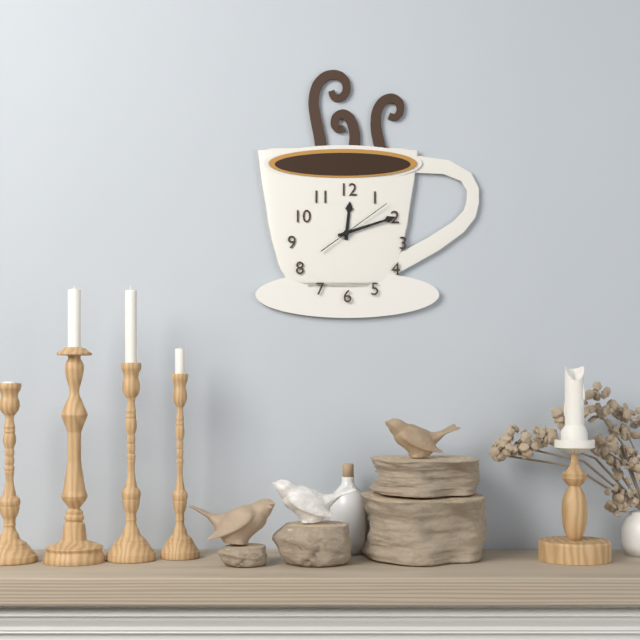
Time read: 12h12m09s
